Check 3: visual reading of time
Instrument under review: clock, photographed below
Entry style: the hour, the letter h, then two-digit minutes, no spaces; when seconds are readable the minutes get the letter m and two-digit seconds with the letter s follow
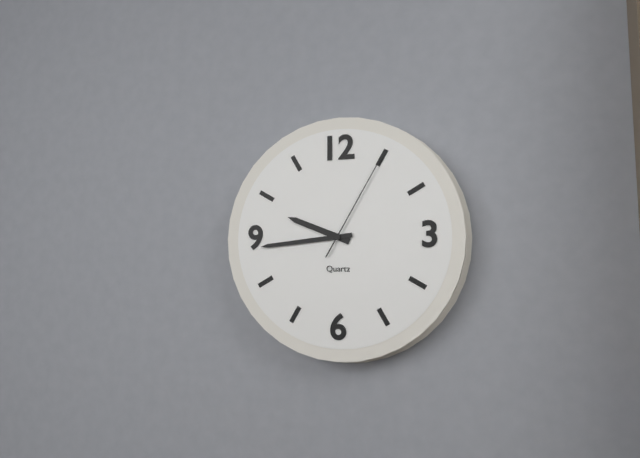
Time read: 9h44m05s
